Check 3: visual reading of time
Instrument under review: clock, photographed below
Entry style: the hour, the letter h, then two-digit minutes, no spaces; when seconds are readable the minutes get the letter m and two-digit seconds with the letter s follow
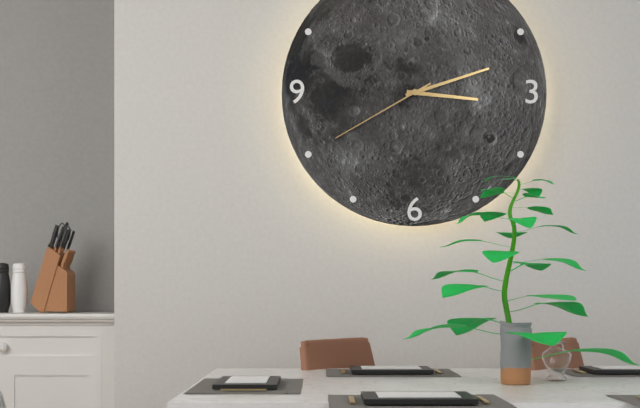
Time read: 3h12m40s
